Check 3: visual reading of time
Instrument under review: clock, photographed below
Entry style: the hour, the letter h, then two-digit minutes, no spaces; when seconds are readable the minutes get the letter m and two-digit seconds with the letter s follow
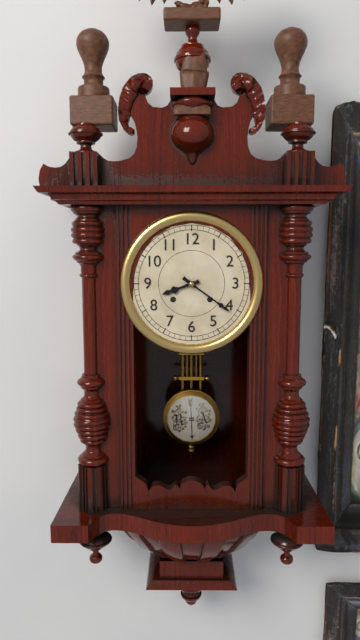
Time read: 8h21
